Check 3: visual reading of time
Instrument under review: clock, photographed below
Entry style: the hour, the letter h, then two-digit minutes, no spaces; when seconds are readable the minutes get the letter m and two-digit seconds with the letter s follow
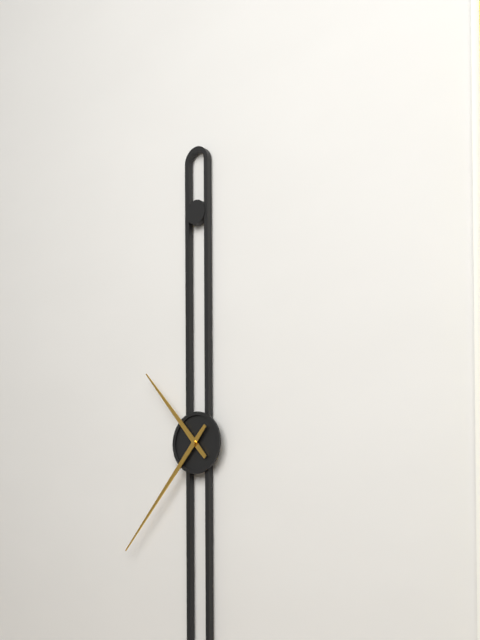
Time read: 10h37
